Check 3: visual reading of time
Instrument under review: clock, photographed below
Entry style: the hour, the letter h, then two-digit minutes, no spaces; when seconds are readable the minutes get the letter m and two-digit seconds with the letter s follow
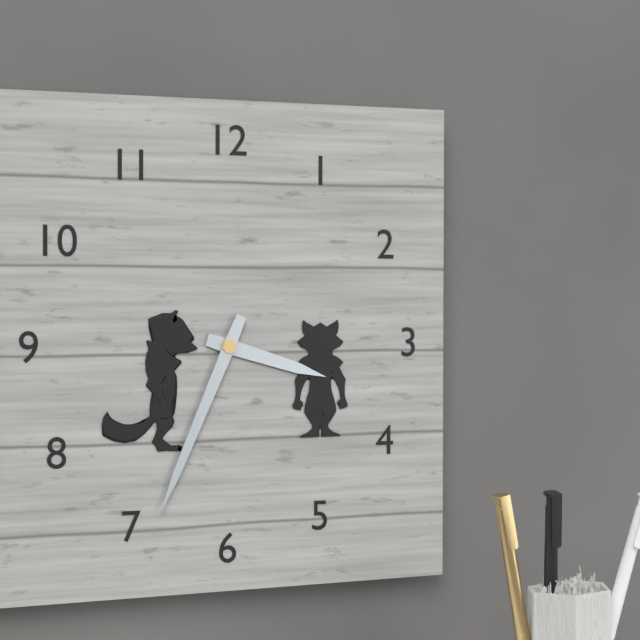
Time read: 3h34
